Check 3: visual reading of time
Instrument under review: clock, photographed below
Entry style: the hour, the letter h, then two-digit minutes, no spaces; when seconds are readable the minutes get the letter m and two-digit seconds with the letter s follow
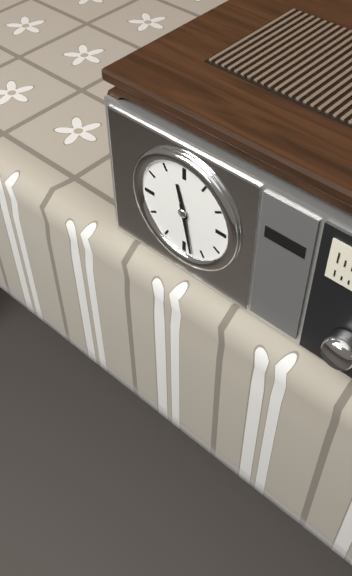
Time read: 11h28
